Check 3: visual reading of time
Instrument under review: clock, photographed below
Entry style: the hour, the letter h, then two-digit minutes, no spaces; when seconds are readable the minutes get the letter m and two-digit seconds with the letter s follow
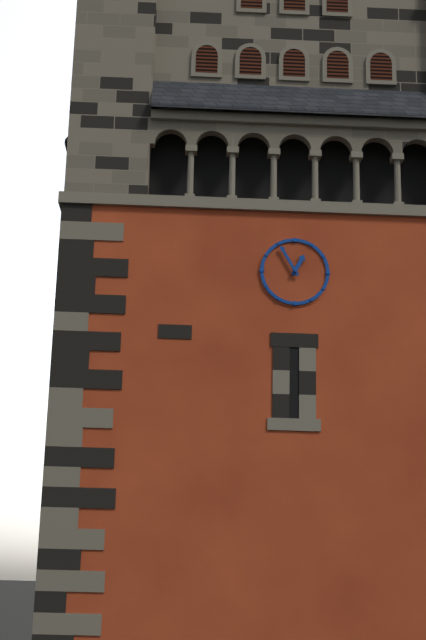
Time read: 12h55
